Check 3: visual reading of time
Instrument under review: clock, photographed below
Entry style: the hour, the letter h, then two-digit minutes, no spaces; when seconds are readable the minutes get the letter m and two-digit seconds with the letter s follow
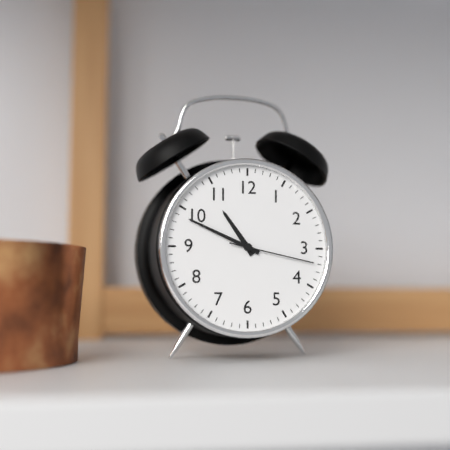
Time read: 10h49m17s
